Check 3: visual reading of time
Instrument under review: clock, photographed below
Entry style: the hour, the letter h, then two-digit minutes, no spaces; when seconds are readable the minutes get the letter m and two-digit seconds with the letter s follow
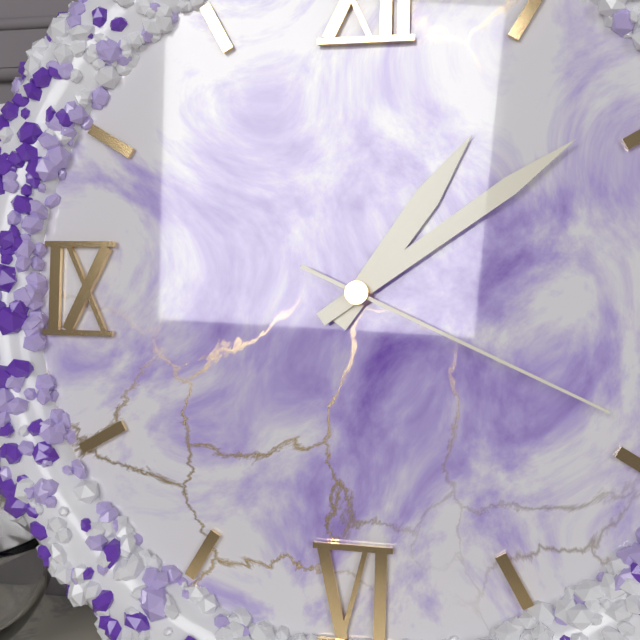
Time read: 1h09m19s
